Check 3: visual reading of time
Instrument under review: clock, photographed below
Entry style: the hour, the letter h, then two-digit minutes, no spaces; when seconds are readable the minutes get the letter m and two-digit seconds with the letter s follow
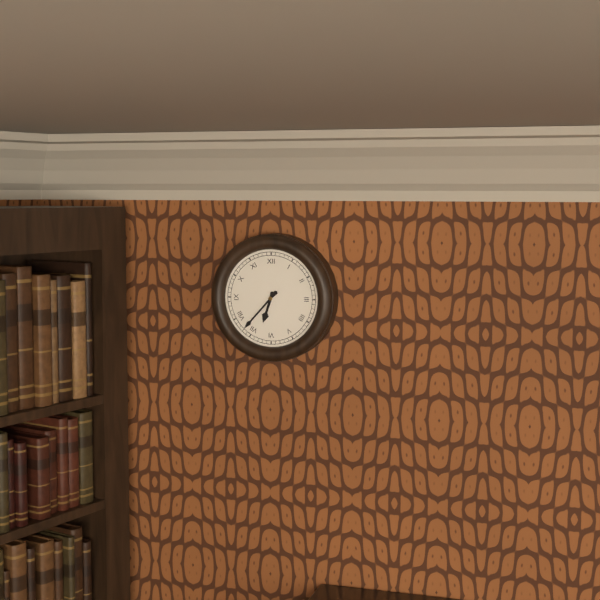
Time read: 6h37
